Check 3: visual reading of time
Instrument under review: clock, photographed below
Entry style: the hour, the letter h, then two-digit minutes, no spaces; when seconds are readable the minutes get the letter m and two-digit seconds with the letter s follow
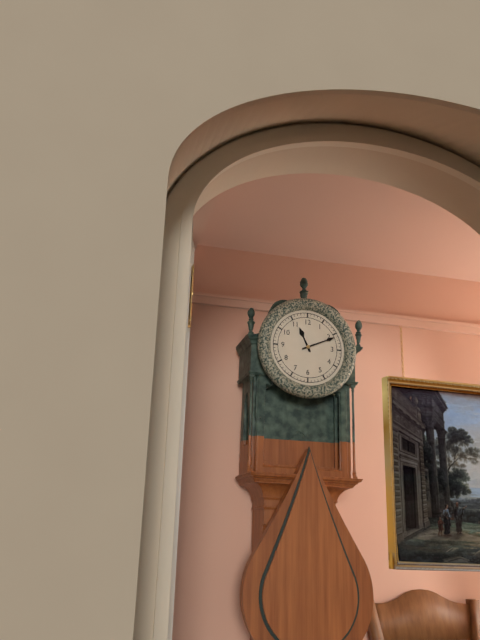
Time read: 11h11
